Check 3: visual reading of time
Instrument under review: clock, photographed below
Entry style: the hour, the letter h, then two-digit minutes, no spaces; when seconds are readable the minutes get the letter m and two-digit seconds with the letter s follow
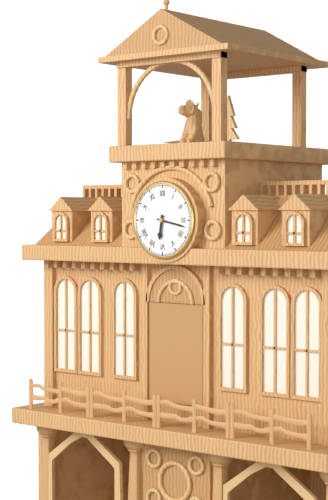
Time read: 6h17
